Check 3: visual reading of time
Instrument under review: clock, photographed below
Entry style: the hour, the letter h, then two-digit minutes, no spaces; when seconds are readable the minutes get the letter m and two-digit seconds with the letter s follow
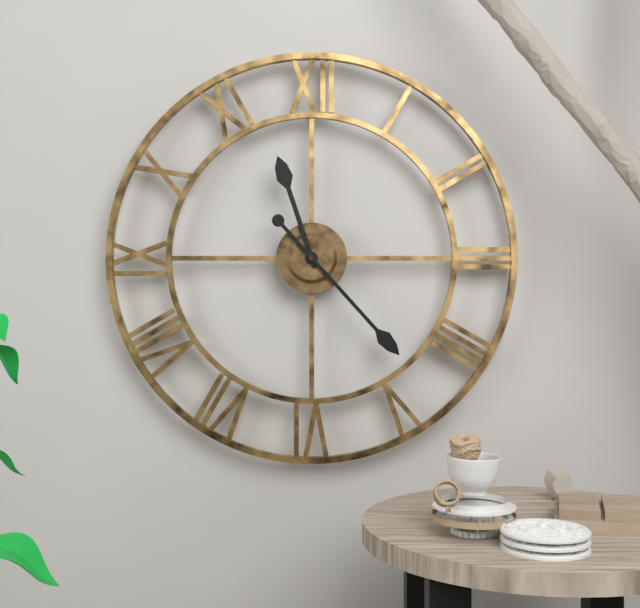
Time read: 11h23
